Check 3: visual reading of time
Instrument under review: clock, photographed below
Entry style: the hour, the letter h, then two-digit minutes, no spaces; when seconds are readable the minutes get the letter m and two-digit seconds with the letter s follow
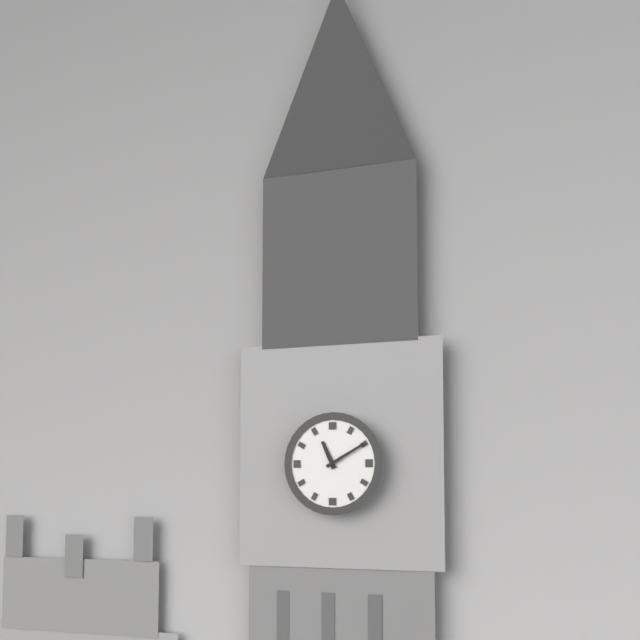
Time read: 11h10
